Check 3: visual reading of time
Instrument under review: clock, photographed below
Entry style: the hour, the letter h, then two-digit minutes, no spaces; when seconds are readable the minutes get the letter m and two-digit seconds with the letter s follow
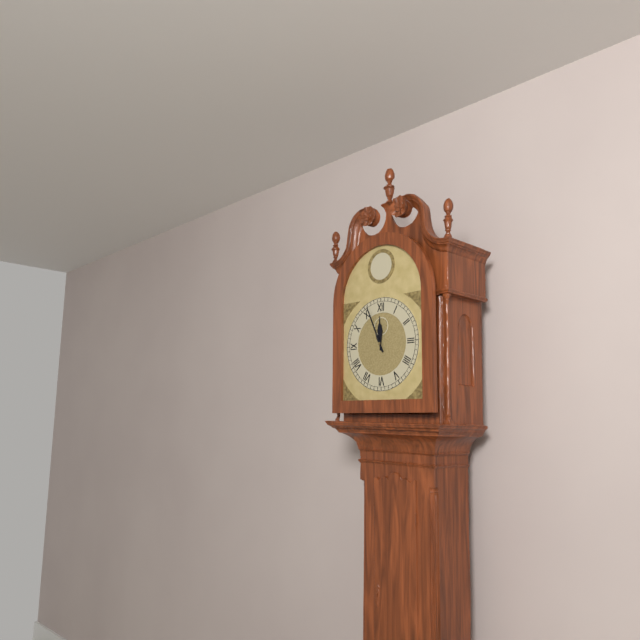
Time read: 11h56
